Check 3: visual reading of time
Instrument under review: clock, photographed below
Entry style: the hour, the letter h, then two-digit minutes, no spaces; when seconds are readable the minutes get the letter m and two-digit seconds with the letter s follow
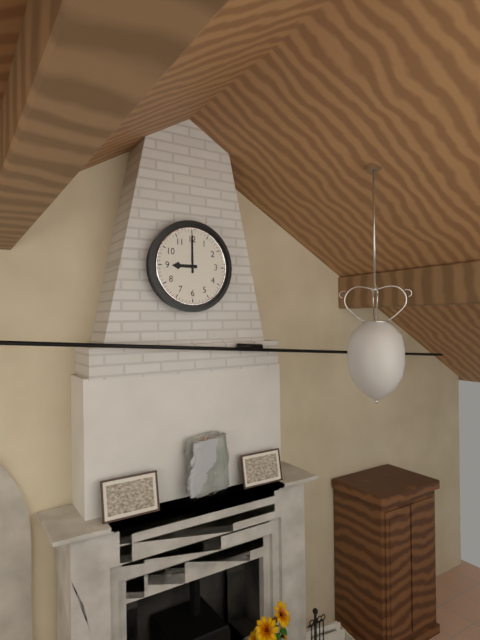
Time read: 9h00
